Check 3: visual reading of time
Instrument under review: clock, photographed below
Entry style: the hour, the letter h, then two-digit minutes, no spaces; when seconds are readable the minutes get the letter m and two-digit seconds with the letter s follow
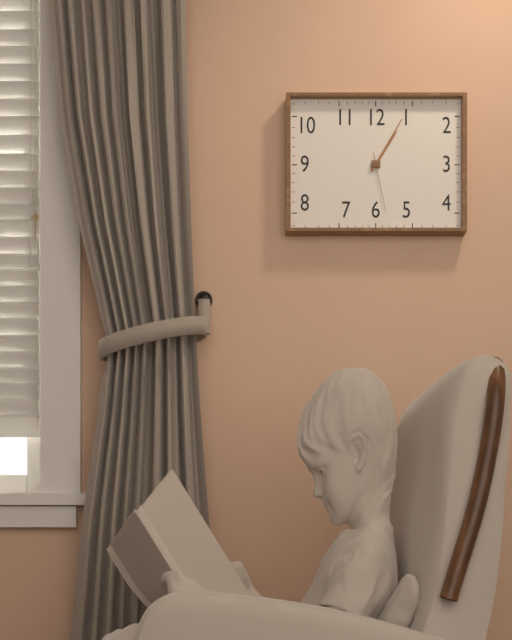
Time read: 1h05m28s
